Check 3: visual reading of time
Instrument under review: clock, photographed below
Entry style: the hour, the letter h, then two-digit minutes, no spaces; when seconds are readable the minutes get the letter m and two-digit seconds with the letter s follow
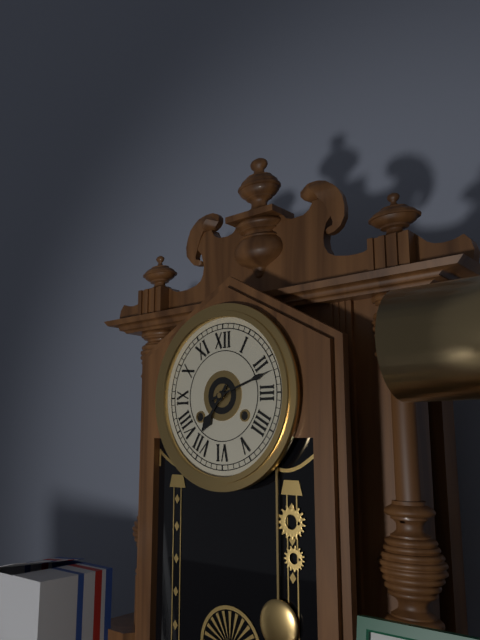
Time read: 7h12
